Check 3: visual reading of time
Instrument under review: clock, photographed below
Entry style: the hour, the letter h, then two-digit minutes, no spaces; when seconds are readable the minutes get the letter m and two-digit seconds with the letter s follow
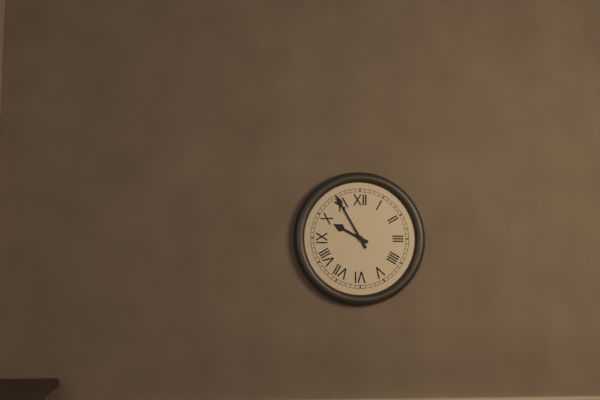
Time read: 9h55
